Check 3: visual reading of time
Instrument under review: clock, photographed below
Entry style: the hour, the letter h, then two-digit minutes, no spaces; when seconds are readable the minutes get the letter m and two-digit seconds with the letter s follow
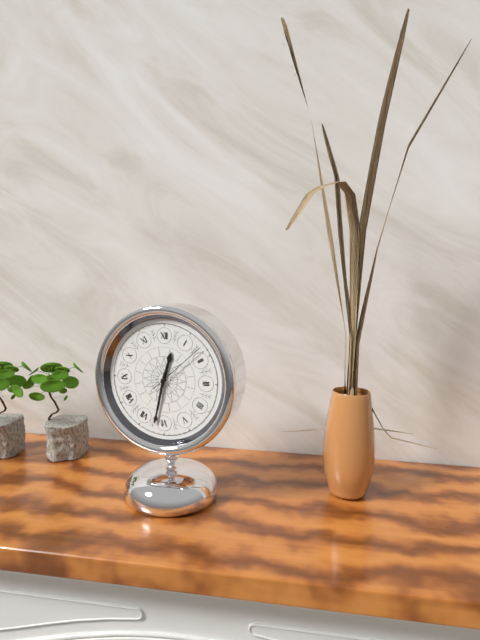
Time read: 12h32m08s
